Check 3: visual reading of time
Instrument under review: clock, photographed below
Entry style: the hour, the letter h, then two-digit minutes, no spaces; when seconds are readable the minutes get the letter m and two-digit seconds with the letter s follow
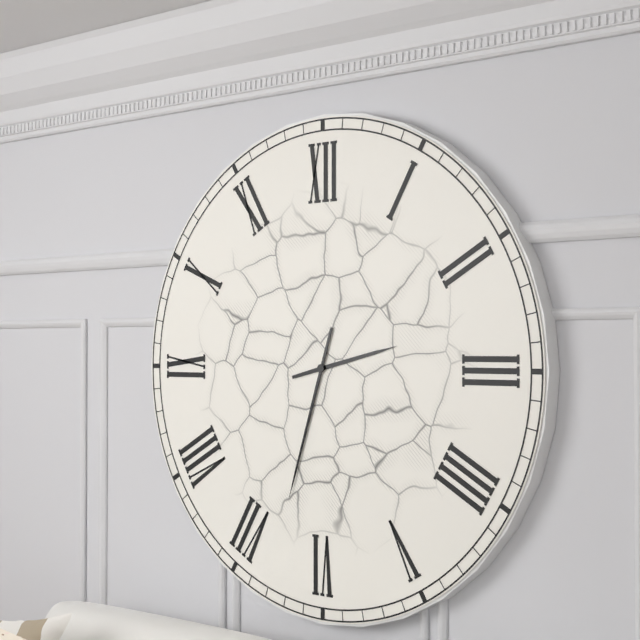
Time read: 2h33
